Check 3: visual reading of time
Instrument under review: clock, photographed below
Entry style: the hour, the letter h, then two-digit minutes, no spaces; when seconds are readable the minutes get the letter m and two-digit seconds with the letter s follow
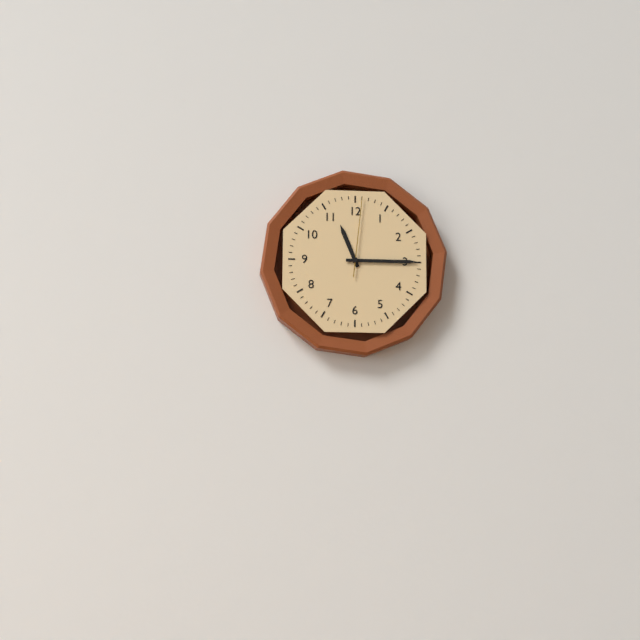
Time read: 11h15m01s
